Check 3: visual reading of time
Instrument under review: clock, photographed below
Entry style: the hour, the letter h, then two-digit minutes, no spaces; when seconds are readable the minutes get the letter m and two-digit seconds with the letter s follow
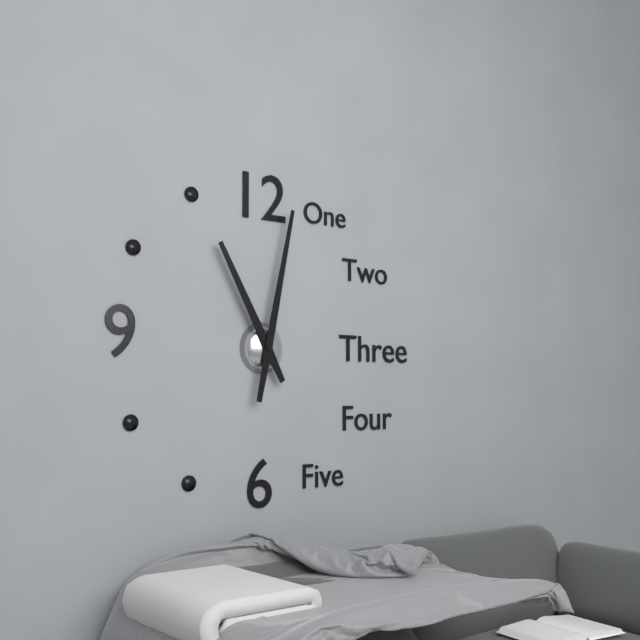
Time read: 11h02
